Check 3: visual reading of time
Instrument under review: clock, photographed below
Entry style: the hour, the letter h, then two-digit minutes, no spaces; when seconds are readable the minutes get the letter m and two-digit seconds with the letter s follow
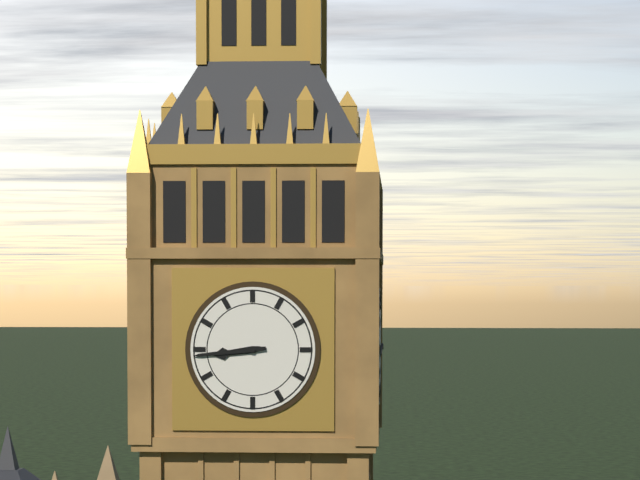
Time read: 8h44
